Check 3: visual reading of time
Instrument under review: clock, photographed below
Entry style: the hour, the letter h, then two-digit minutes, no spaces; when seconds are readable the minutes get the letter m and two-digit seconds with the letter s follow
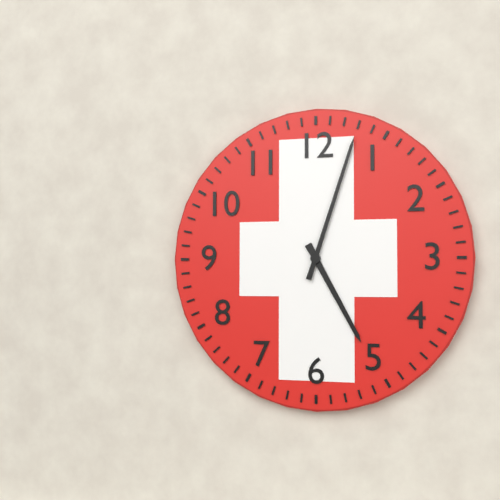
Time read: 5h03
